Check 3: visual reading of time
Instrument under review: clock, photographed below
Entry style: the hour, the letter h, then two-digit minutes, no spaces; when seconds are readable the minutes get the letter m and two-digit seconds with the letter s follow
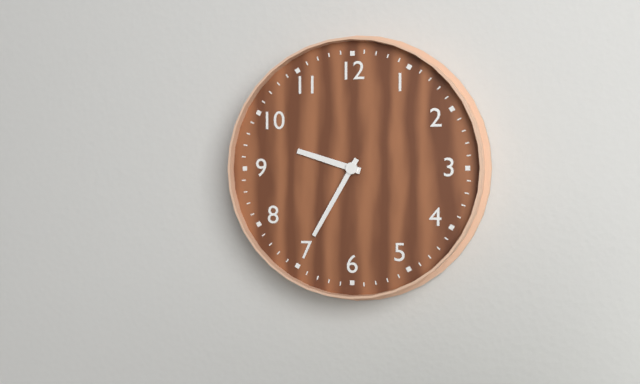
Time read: 9h35
